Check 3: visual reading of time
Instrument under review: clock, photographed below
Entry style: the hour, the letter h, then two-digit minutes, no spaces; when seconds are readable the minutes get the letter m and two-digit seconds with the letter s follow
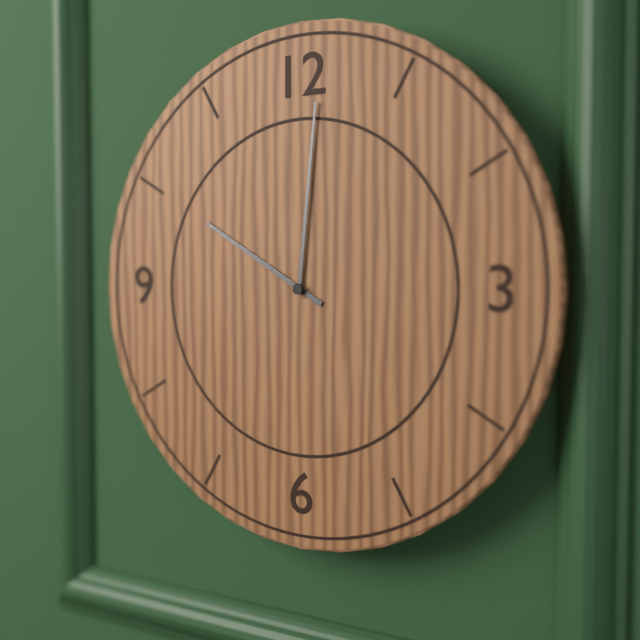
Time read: 10h01
